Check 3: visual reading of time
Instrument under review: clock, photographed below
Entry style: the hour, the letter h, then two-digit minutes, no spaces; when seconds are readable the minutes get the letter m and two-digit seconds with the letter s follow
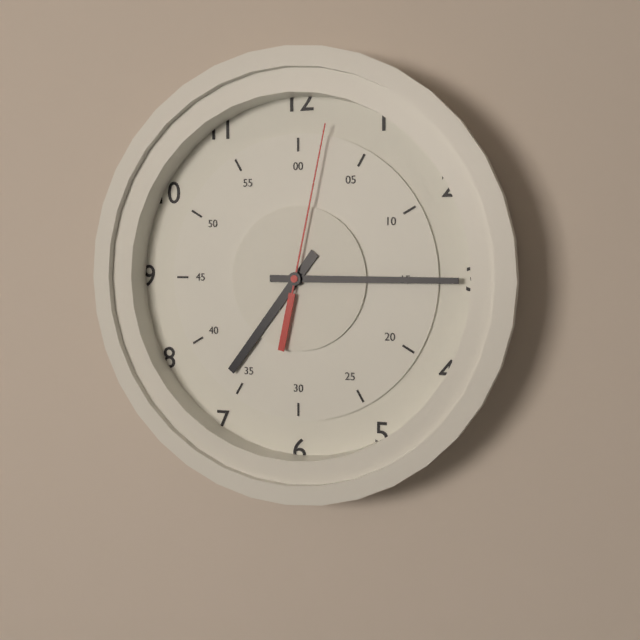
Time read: 7h15m02s
